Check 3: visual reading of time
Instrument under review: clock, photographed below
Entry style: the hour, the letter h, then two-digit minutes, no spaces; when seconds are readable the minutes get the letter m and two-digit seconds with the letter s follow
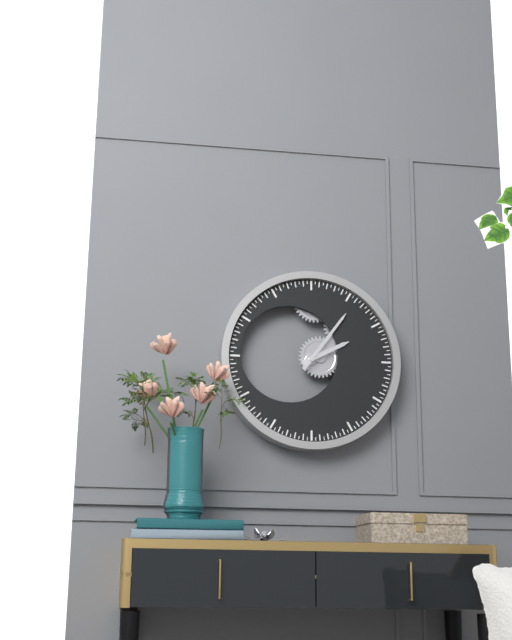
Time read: 2h06
